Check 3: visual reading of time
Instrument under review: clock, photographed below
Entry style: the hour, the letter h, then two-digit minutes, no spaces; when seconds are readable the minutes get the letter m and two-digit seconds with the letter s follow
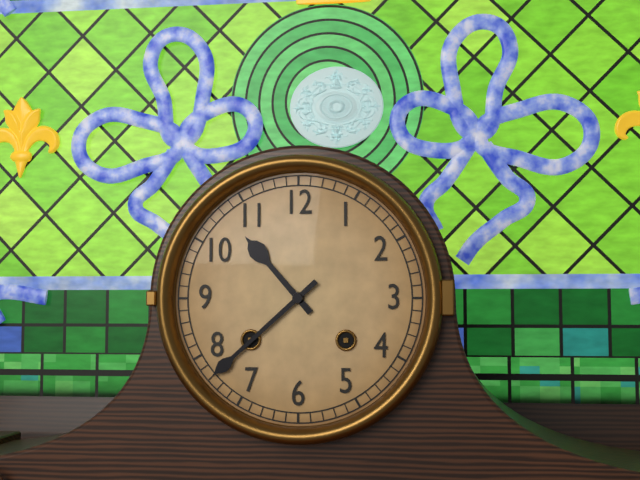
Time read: 10h38
